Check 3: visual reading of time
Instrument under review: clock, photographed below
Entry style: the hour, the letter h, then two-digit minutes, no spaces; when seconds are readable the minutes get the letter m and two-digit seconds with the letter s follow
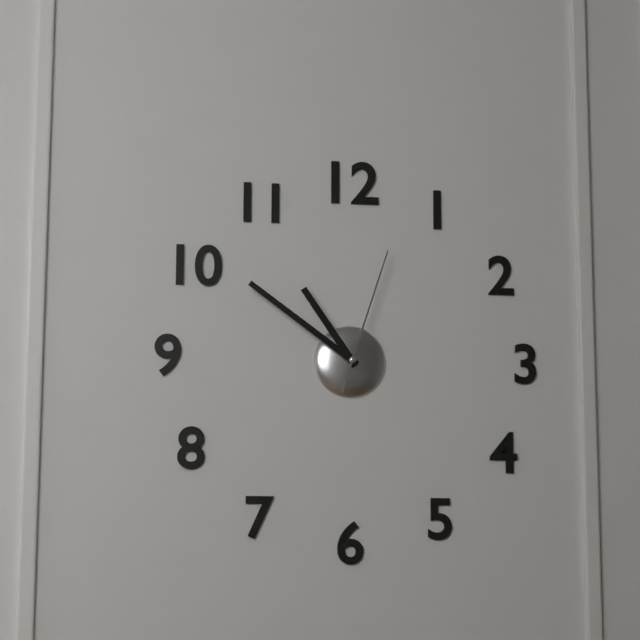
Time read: 10h51m03s
